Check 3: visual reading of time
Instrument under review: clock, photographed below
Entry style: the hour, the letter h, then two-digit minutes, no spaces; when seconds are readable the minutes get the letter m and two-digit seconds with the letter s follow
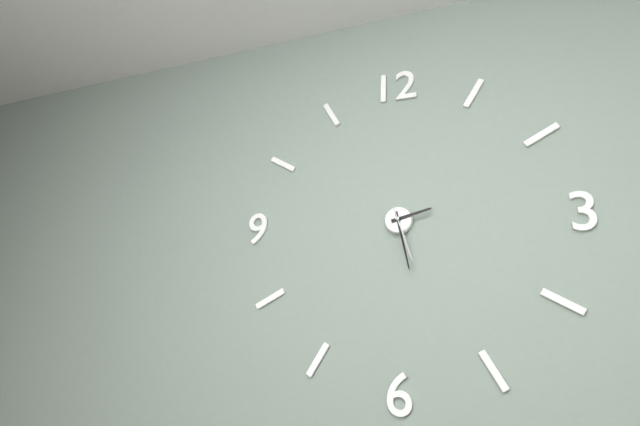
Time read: 2h28m27s
